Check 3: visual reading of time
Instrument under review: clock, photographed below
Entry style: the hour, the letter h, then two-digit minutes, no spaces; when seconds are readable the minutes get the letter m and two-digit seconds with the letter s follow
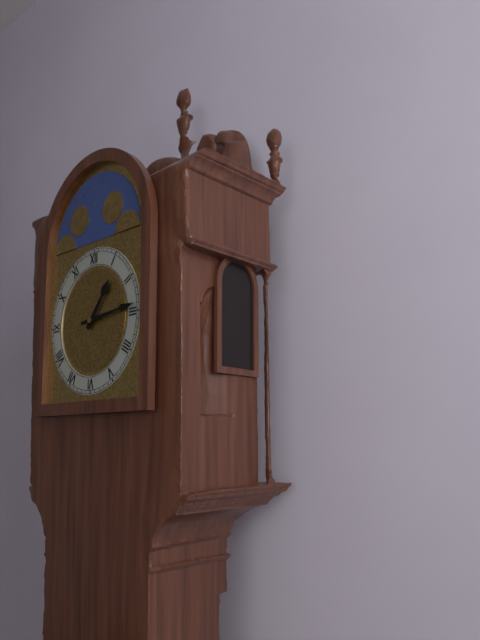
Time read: 1h14
